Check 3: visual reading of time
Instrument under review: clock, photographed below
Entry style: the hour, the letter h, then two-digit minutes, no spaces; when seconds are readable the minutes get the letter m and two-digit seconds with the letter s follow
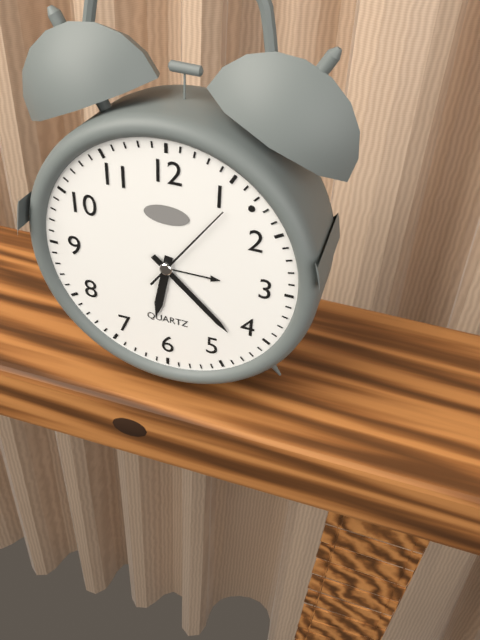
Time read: 6h22m06s
